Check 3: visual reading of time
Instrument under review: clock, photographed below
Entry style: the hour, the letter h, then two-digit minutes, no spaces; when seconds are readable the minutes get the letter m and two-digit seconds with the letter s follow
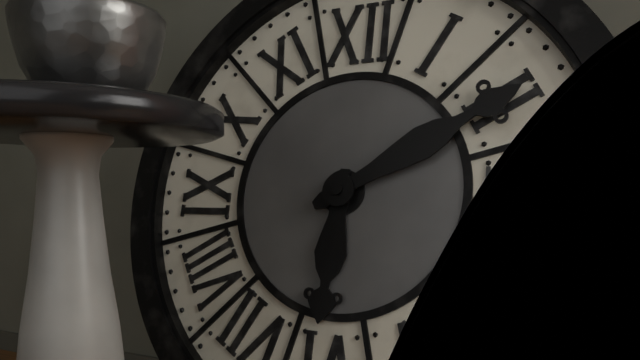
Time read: 6h10
